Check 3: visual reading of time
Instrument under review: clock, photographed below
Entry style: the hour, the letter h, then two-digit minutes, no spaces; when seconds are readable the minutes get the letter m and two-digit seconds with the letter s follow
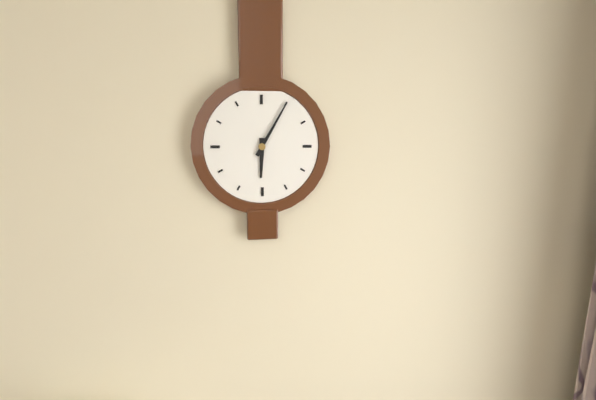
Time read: 6h05
